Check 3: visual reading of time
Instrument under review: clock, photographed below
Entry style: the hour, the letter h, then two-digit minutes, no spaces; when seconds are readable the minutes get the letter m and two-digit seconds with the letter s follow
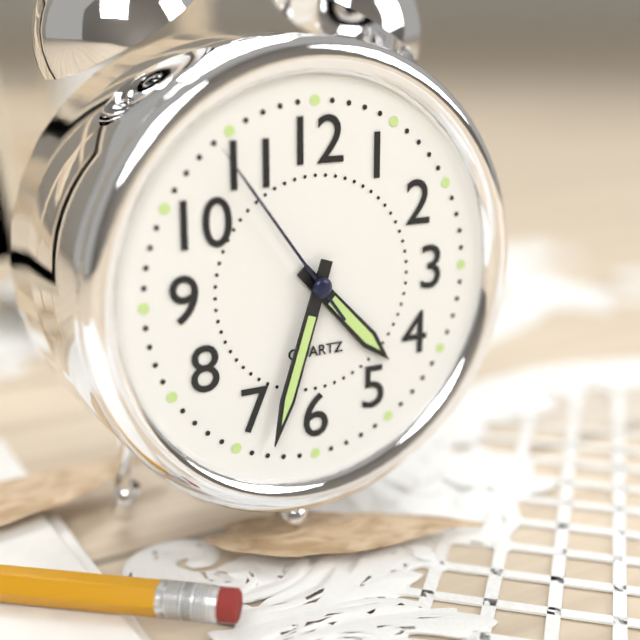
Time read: 4h33m54s
